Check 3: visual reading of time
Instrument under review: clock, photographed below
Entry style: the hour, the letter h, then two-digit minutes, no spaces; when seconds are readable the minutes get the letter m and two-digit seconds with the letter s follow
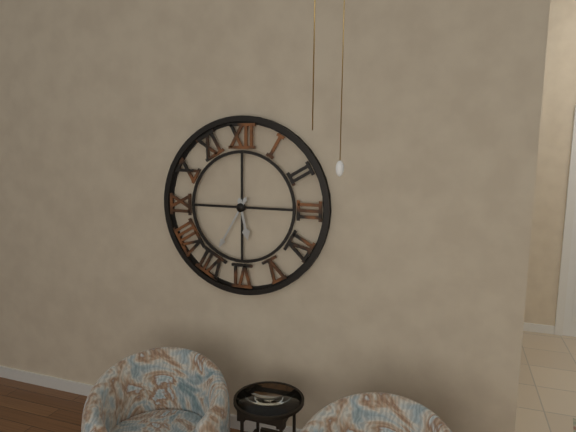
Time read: 5h35
